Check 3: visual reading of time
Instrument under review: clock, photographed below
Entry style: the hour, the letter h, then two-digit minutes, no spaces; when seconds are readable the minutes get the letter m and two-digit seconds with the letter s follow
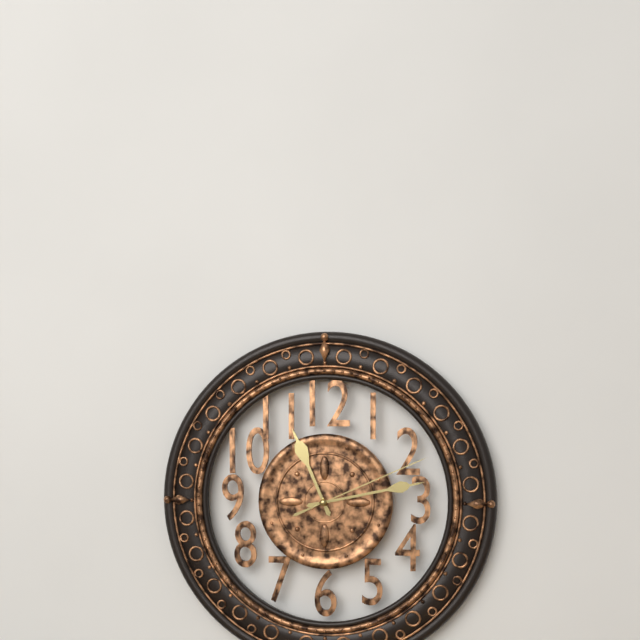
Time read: 11h13m11s
